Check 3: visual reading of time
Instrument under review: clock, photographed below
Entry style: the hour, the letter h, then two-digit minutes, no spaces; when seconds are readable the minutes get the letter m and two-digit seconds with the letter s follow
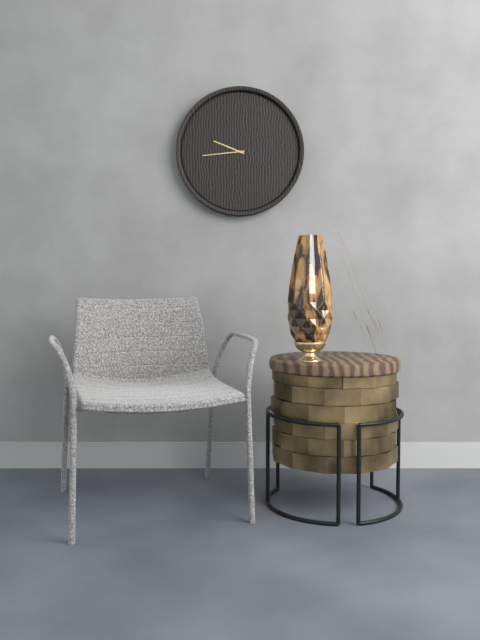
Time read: 9h44
